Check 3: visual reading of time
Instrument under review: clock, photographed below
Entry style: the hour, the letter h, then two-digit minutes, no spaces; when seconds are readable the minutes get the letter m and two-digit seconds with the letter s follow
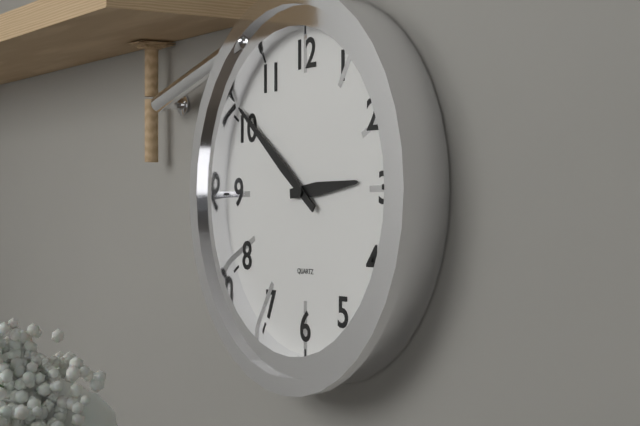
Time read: 2h51
